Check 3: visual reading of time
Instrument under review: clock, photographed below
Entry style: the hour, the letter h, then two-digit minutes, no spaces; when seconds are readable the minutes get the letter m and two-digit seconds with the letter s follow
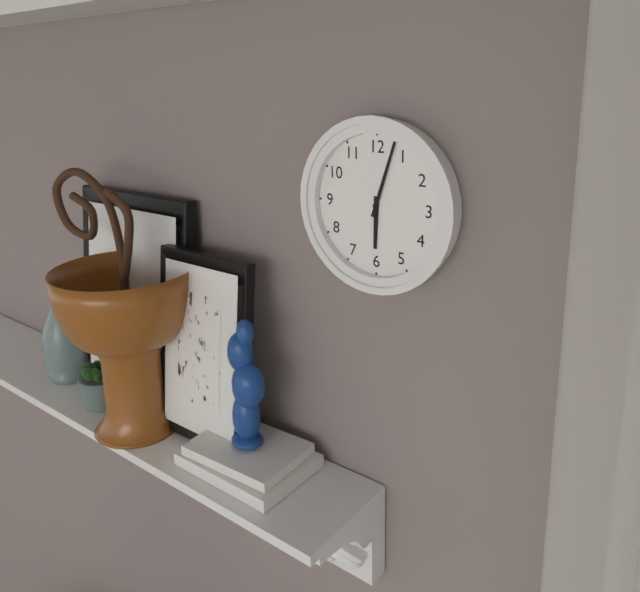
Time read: 6h03
